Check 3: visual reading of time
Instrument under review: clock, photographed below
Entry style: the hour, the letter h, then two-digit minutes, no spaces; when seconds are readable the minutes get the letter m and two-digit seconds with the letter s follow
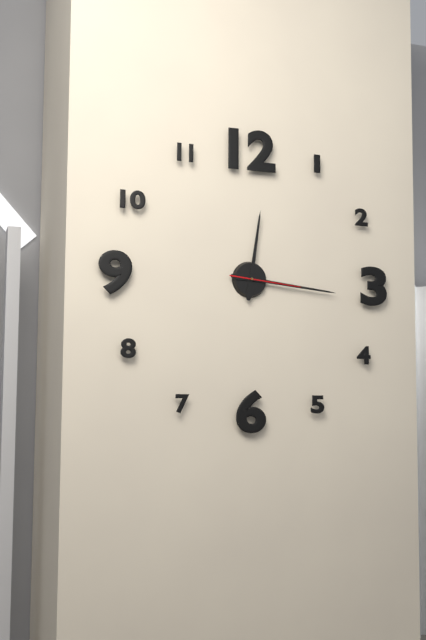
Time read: 12h16m16s
